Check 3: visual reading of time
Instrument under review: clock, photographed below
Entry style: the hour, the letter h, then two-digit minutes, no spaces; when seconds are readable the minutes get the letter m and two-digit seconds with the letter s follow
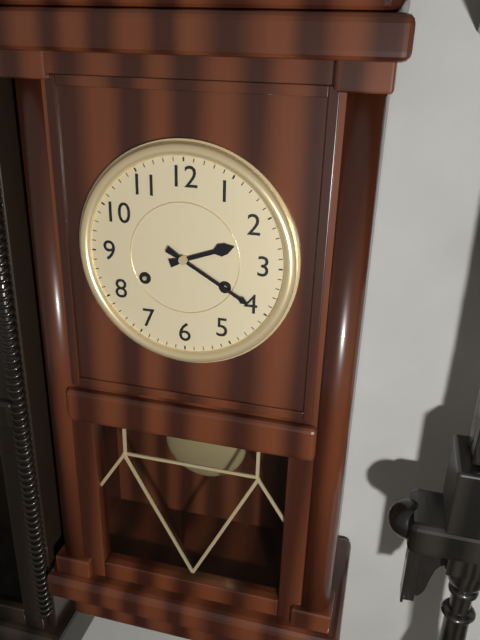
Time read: 2h20
